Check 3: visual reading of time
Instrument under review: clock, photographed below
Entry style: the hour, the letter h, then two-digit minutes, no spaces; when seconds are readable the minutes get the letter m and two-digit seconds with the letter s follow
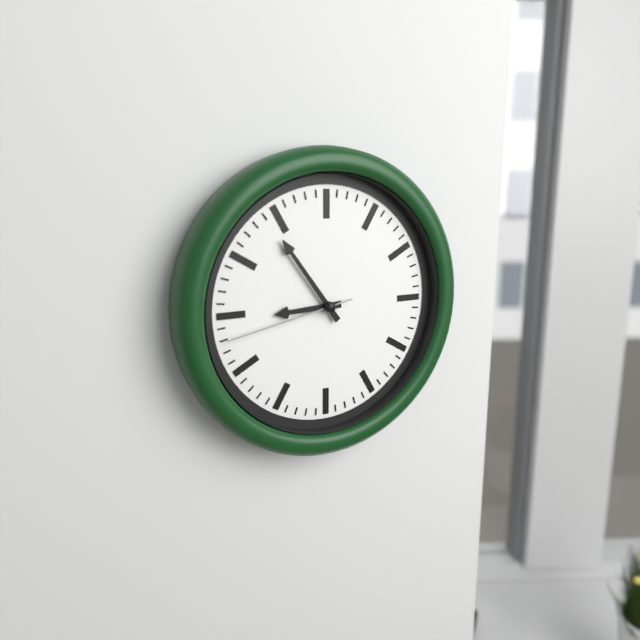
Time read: 8h54m43s
